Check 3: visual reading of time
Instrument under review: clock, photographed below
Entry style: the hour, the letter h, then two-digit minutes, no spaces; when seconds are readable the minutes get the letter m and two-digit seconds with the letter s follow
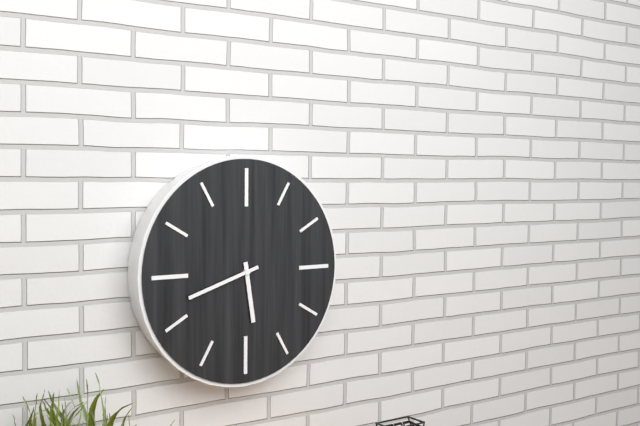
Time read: 5h42
